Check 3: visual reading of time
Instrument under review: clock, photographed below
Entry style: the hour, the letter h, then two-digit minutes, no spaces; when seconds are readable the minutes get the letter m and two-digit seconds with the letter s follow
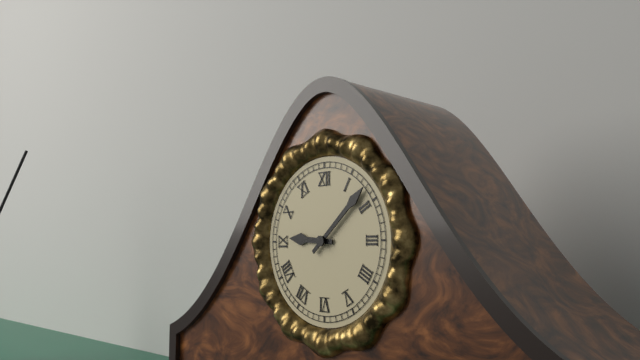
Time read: 9h08
